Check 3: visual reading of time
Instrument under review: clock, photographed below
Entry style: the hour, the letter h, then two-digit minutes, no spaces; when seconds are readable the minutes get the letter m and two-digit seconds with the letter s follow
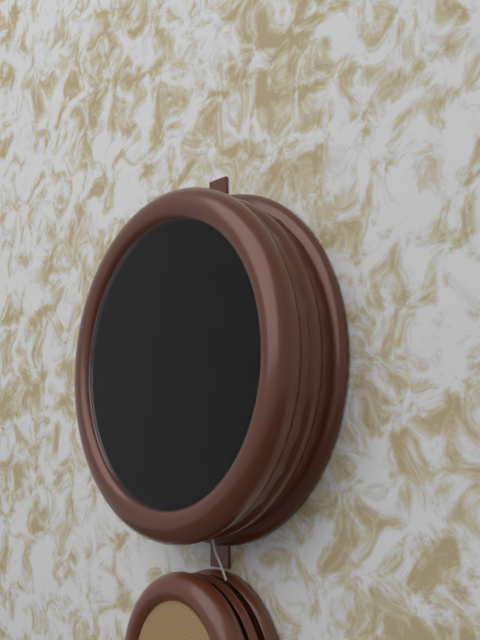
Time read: 5h33
